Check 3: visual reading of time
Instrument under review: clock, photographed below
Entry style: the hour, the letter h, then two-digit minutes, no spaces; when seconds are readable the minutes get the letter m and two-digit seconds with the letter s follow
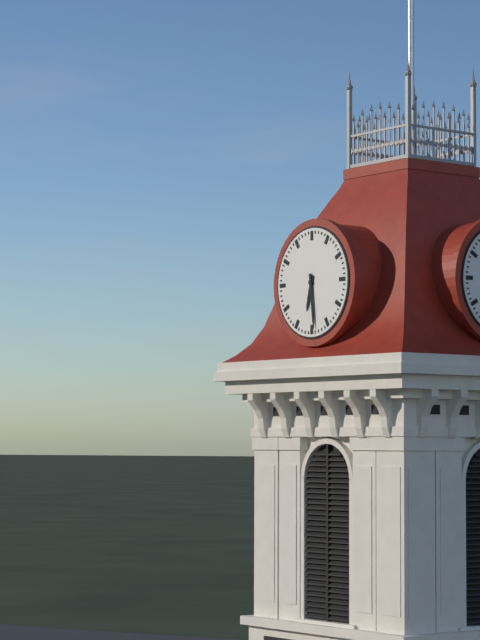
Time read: 6h29
